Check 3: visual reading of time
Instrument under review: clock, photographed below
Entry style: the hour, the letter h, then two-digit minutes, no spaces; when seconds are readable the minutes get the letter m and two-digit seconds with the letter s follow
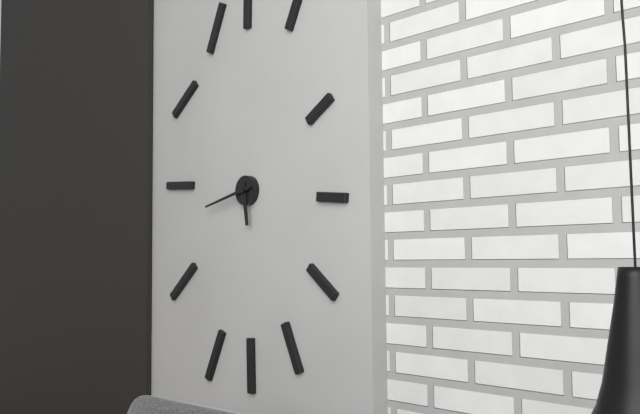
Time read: 5h43
